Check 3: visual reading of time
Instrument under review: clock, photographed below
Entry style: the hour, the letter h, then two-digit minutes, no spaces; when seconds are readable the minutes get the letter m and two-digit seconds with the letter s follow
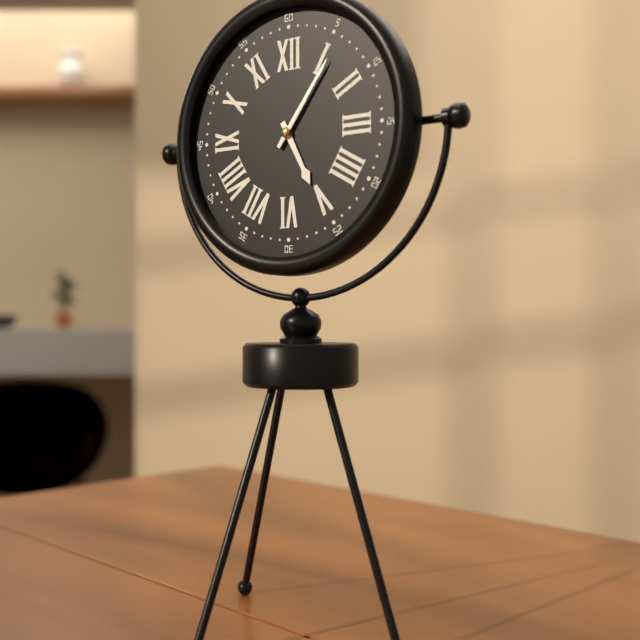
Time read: 5h06
